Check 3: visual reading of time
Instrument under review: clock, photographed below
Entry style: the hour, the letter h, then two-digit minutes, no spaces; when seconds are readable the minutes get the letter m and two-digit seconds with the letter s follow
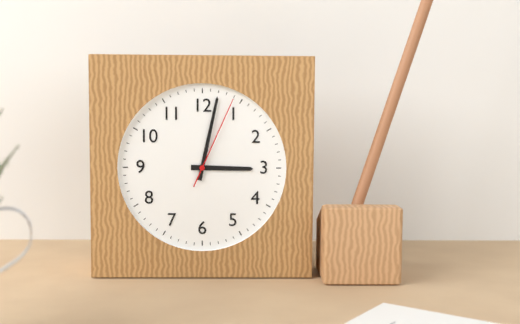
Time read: 3h02m04s
